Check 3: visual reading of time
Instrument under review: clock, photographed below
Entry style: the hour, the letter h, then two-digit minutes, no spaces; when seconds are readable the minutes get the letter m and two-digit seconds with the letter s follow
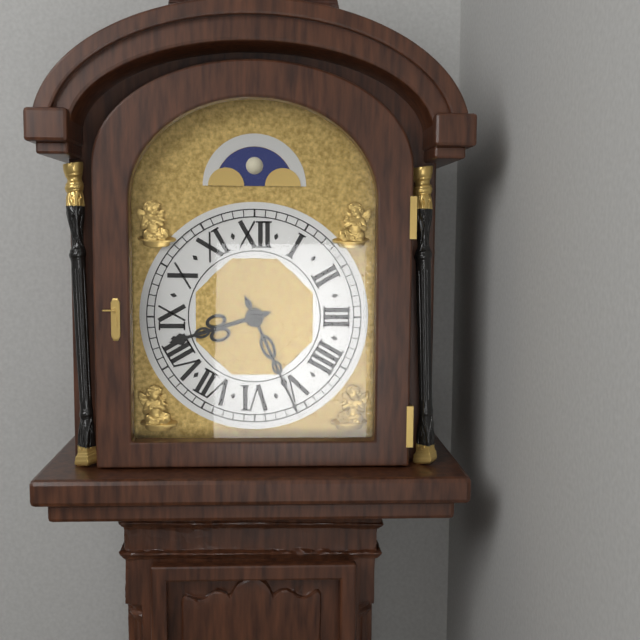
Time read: 8h26
